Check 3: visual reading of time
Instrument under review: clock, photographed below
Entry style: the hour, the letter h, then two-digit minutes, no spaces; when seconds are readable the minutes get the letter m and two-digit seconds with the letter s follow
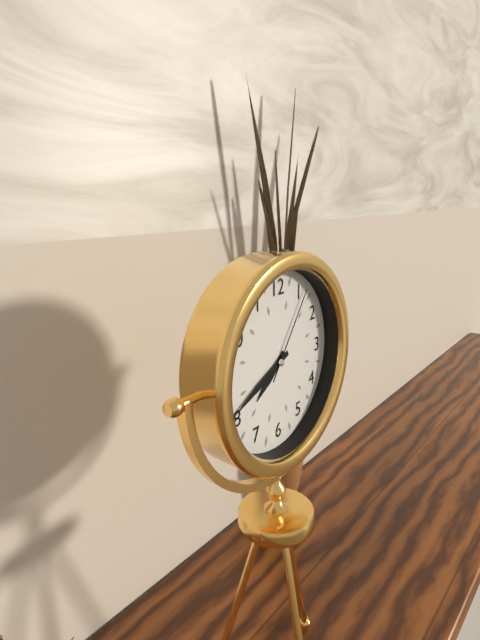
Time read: 7h41m06s
